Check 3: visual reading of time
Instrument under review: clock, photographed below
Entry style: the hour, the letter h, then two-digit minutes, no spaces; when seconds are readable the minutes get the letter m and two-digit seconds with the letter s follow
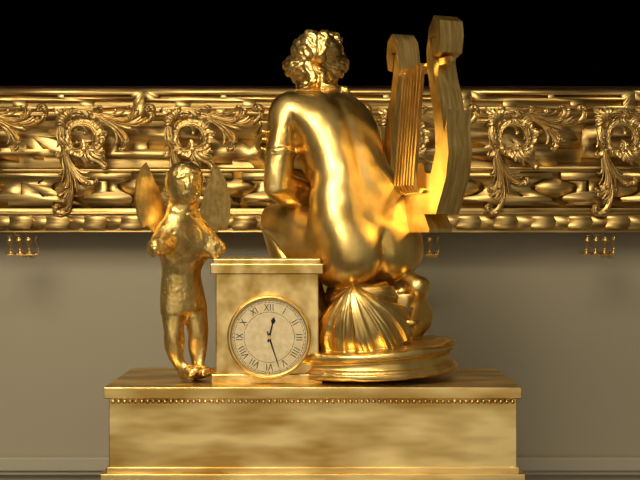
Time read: 12h27
